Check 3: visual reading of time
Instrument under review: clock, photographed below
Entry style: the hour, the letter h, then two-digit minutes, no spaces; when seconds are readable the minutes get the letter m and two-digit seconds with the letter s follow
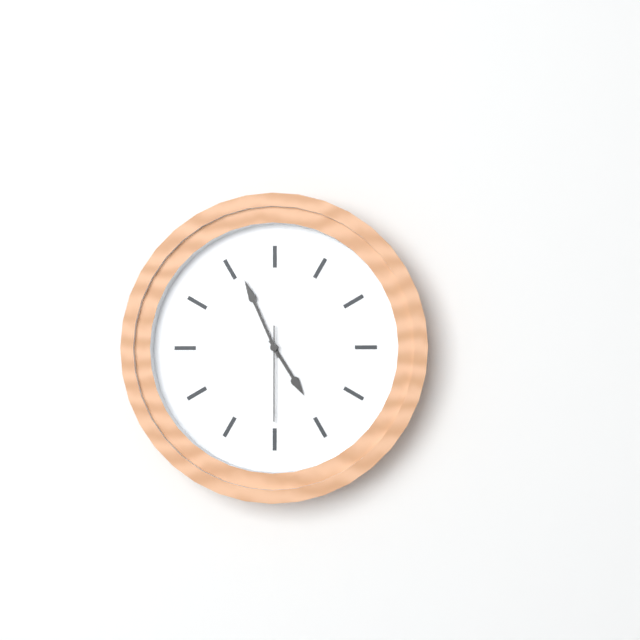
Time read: 4h56m30s
